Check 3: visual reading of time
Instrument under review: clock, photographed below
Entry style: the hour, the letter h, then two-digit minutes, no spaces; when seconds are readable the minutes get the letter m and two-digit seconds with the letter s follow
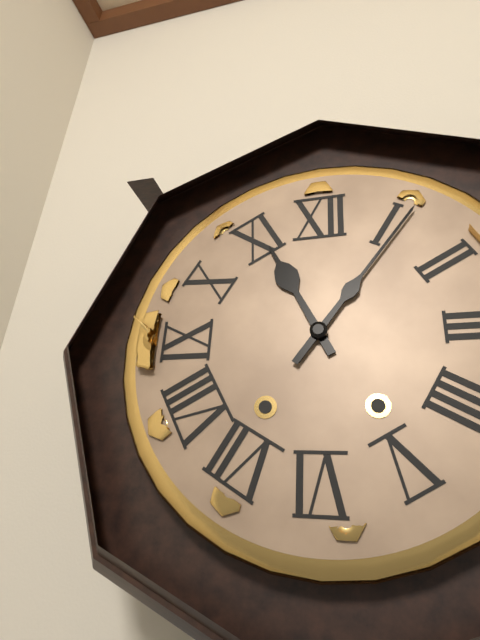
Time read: 11h06
